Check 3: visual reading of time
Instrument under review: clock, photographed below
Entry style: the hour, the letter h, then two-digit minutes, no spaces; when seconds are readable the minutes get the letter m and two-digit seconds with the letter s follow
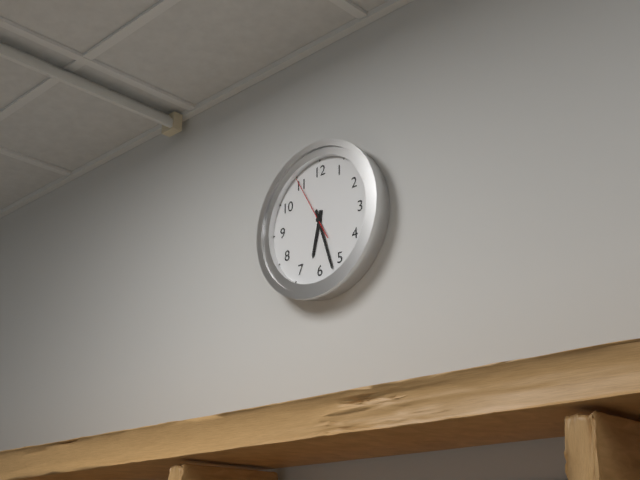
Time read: 6h27m55s
